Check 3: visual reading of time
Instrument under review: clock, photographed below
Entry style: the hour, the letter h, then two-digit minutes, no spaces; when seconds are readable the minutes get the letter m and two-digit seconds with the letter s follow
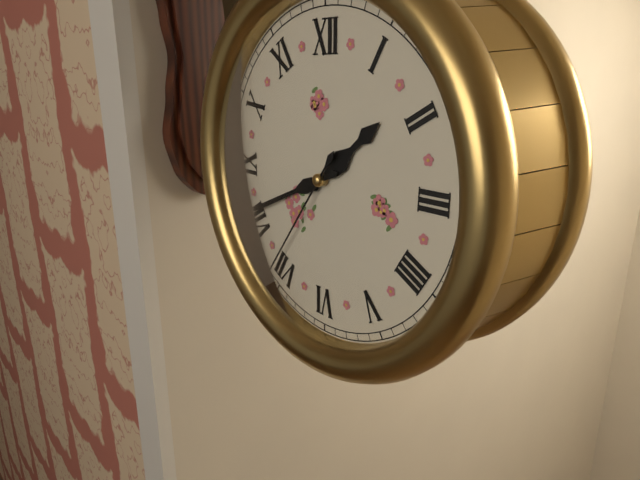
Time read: 1h41m36s
